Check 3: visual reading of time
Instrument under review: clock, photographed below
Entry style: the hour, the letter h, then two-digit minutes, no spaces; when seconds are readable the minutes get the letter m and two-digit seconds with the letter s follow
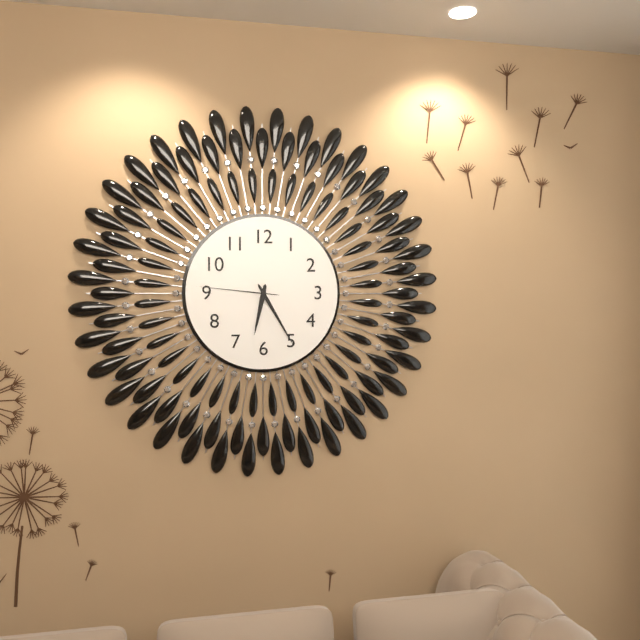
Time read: 6h25m46s
